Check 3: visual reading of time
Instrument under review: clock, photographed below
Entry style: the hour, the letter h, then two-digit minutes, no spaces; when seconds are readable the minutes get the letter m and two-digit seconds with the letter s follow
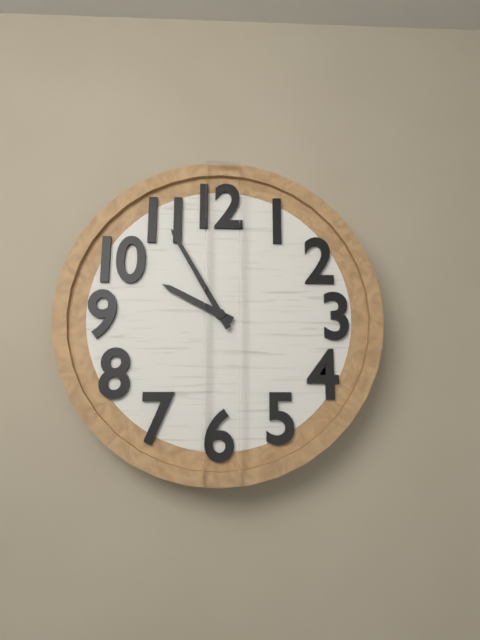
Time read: 9h55
